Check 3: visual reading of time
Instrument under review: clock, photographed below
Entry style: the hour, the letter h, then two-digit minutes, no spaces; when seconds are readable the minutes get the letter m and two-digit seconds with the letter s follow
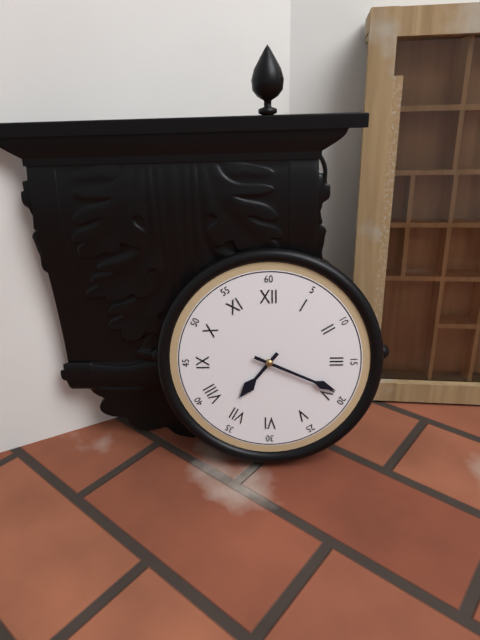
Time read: 7h19
